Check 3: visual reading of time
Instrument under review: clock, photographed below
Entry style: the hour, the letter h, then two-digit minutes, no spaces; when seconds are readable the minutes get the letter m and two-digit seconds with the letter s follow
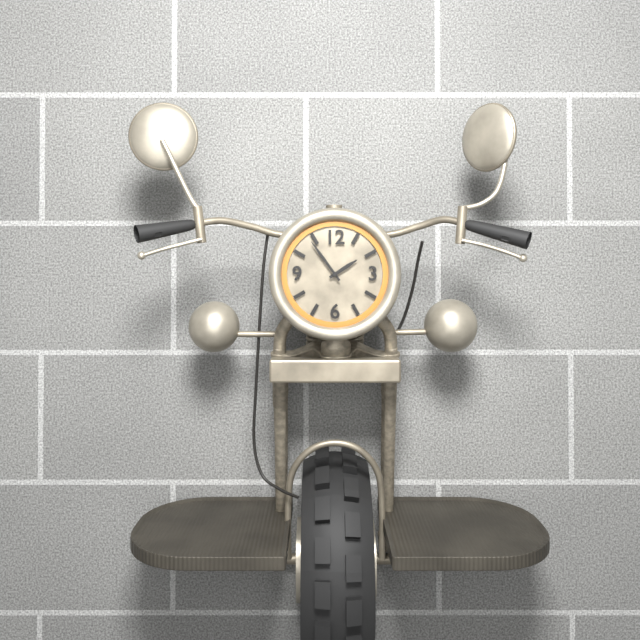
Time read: 1h54
